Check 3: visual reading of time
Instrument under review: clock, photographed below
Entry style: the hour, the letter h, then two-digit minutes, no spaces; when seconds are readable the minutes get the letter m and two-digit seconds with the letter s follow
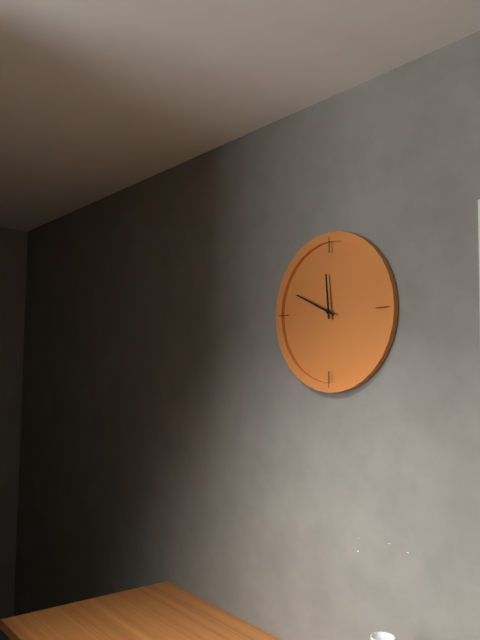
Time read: 11h49
